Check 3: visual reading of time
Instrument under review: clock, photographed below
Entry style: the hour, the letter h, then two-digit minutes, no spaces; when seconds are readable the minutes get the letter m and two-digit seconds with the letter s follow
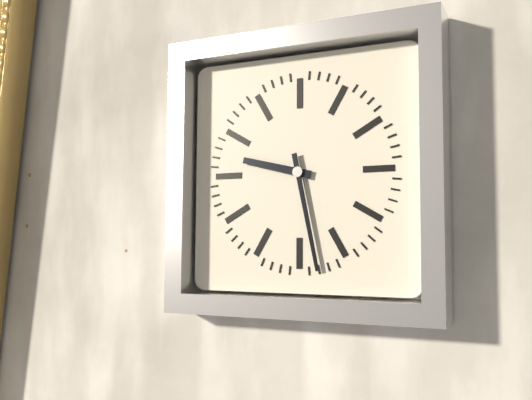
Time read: 9h28
